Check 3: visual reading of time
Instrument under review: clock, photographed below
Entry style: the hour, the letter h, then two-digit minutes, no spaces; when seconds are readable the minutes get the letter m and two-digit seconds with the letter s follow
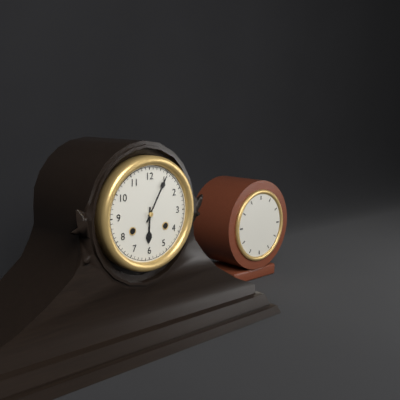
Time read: 6h05
